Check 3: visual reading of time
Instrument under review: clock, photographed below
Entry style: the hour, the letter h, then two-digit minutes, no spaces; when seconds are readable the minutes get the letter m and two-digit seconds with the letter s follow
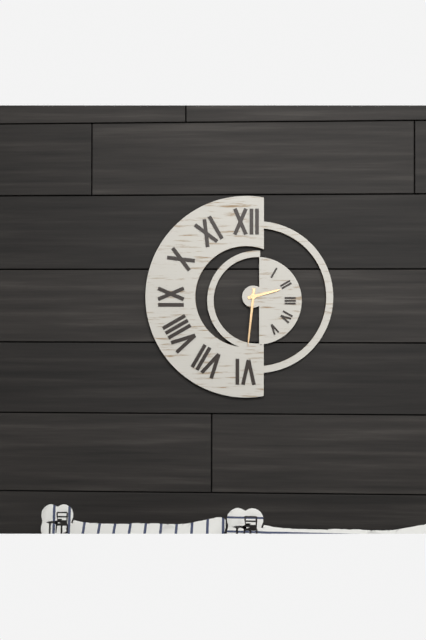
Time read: 2h31
